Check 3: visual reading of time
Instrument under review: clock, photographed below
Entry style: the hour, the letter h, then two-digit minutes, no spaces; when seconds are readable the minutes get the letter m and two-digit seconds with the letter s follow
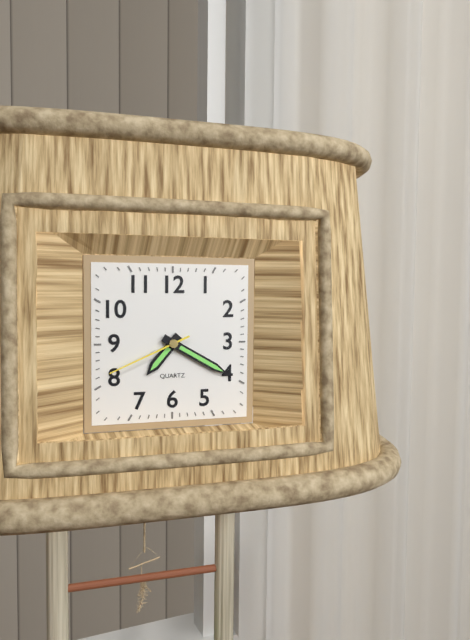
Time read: 7h20m41s
